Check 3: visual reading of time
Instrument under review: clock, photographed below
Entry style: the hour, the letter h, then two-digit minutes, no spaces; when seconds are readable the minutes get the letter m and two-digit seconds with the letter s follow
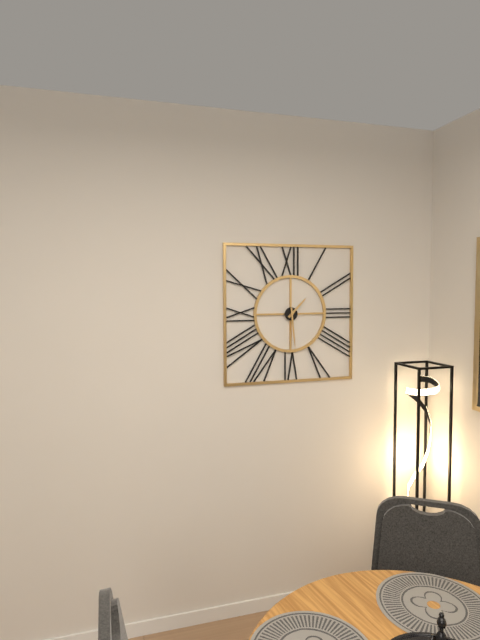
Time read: 1h29
